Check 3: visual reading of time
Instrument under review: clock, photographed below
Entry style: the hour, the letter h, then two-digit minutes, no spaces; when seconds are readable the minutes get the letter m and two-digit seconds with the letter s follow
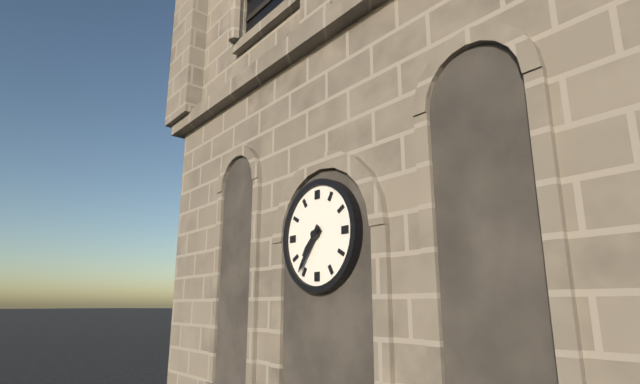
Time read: 7h36
